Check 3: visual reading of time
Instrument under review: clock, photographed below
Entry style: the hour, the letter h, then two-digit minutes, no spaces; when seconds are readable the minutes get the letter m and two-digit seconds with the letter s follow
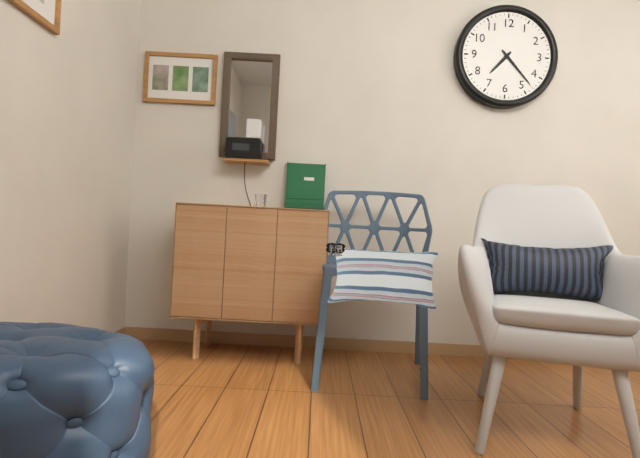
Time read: 7h23
